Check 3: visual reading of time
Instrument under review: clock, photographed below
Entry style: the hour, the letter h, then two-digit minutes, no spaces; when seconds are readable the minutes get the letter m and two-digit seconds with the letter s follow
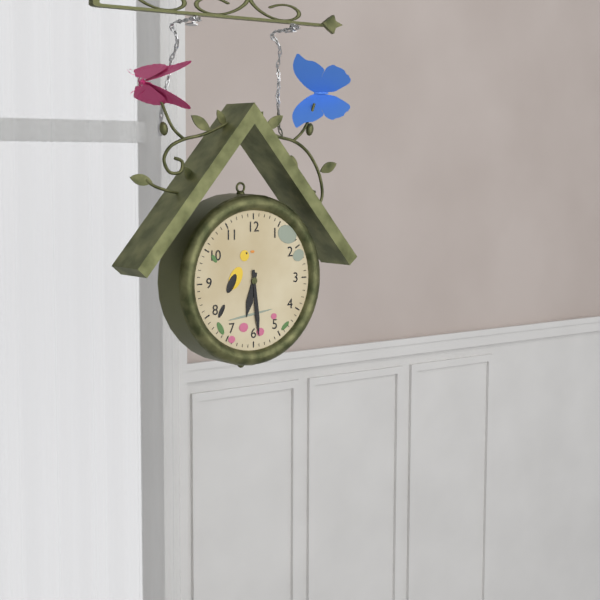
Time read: 6h29
